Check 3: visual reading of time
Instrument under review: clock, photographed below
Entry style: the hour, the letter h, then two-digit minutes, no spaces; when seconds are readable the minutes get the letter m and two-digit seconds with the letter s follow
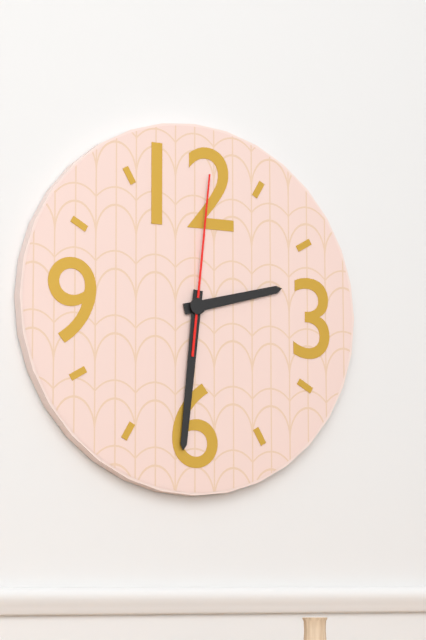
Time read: 2h31m01s
